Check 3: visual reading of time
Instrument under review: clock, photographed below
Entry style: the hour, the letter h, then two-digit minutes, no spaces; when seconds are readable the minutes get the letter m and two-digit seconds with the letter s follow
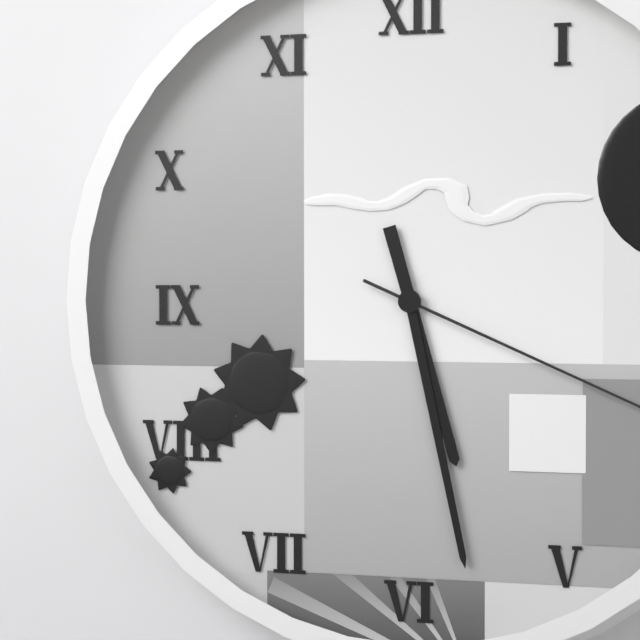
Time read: 5h28
